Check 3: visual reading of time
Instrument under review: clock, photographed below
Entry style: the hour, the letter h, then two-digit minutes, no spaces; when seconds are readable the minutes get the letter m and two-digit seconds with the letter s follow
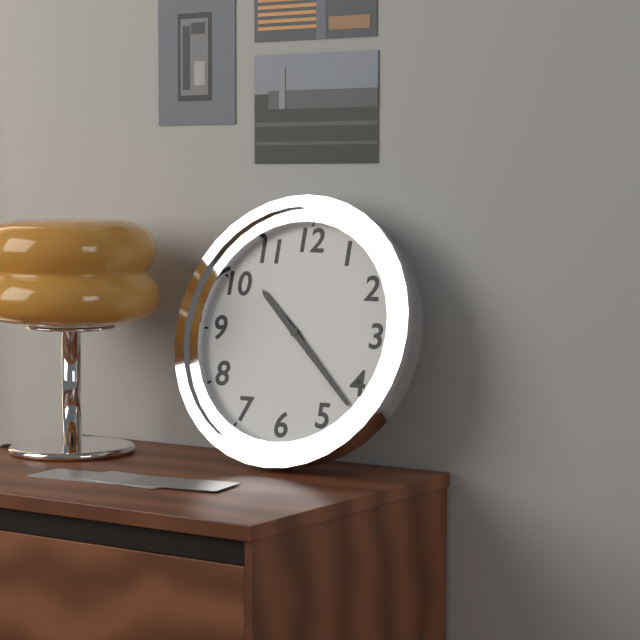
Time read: 10h22
